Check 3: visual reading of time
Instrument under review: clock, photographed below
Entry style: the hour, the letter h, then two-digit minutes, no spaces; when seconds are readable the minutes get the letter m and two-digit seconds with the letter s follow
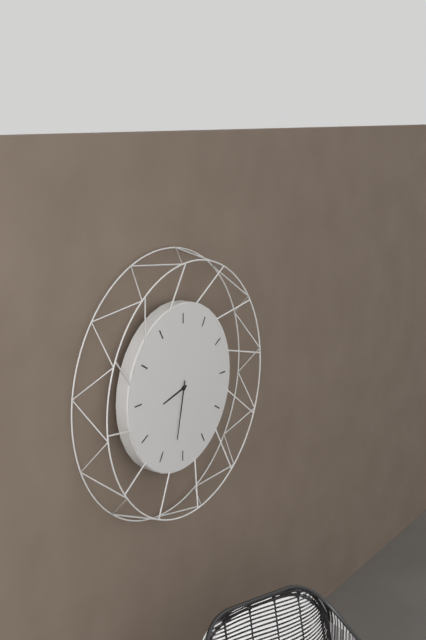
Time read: 8h32
